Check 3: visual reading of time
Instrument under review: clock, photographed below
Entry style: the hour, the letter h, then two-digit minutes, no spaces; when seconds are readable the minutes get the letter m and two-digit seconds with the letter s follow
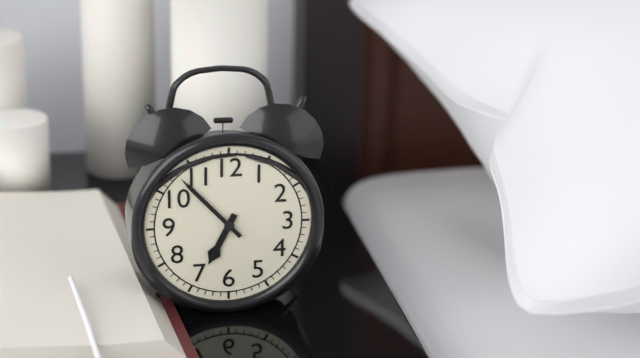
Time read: 6h53
